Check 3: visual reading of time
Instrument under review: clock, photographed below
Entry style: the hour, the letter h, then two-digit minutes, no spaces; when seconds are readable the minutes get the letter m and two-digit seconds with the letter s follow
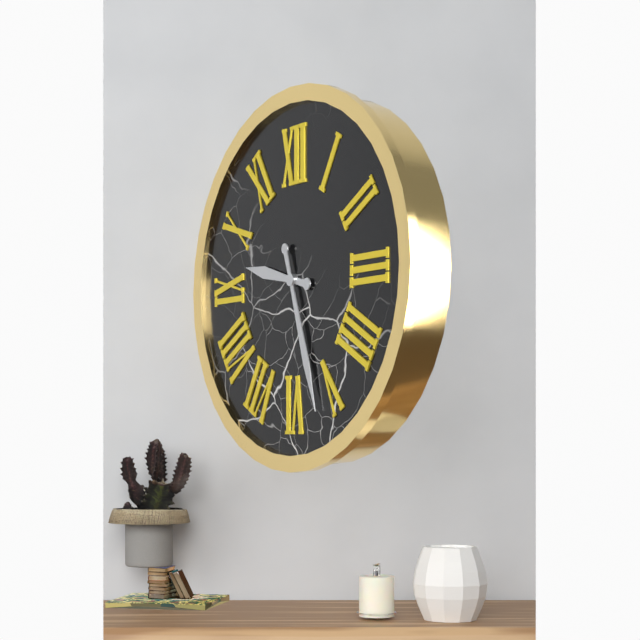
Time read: 9h27
